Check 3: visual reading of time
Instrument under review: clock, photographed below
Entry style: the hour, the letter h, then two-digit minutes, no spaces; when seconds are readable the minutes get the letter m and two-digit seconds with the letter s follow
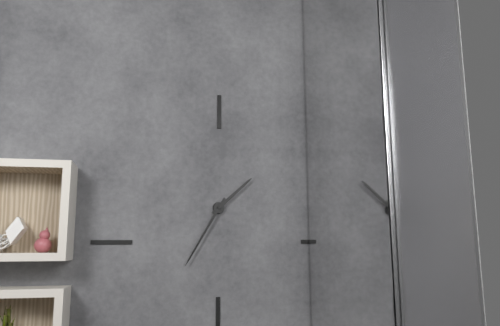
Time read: 1h35
